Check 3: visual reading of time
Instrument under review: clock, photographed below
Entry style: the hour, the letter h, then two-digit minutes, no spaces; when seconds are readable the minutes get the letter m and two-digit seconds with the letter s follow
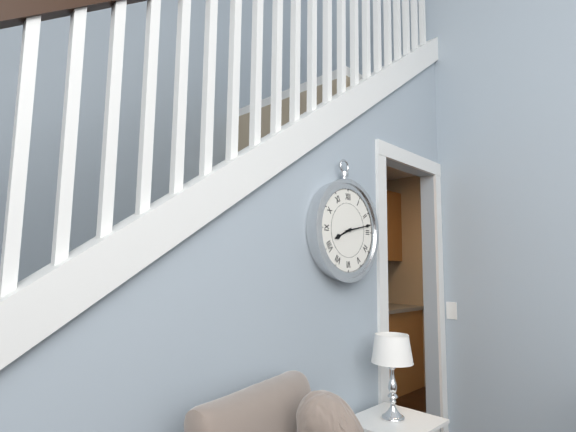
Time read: 8h13
